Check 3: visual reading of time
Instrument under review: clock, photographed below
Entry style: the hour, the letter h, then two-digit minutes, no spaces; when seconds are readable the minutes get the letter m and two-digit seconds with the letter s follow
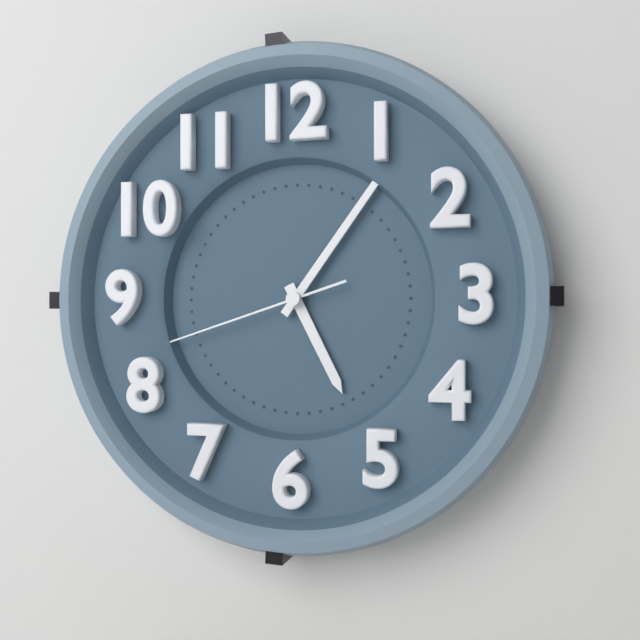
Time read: 5h06m42s
